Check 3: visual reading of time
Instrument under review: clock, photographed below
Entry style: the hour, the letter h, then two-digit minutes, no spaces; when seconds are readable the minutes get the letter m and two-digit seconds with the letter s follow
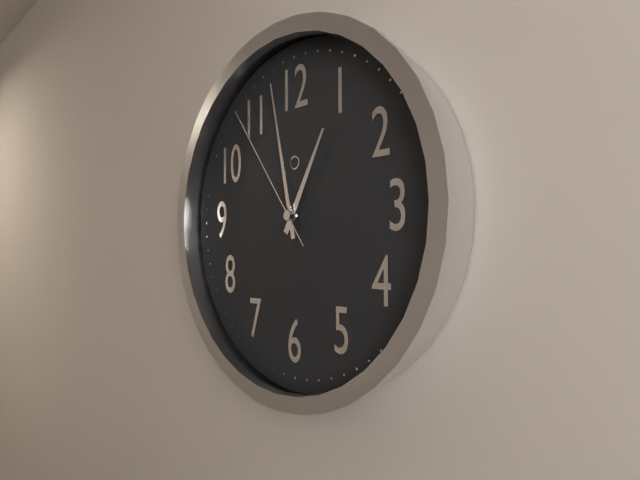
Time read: 12h58m54s
